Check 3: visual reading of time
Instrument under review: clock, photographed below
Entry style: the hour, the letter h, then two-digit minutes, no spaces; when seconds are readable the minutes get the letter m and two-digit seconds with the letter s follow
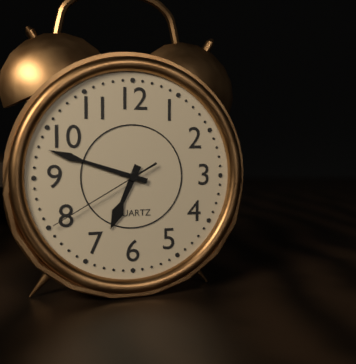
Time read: 6h48m40s
